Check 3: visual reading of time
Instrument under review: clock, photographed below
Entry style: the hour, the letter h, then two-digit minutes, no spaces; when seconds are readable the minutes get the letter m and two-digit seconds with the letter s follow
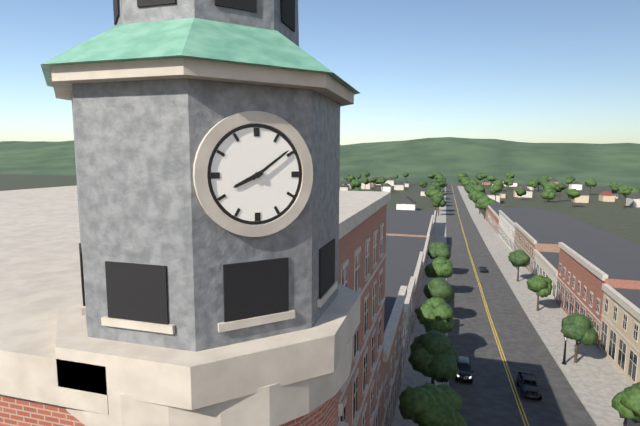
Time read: 8h09
